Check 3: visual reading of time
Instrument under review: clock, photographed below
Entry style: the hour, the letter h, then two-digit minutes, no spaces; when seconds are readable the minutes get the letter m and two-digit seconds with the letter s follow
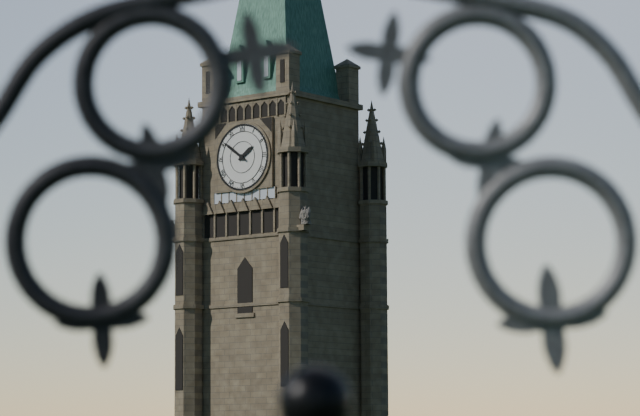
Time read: 1h51
